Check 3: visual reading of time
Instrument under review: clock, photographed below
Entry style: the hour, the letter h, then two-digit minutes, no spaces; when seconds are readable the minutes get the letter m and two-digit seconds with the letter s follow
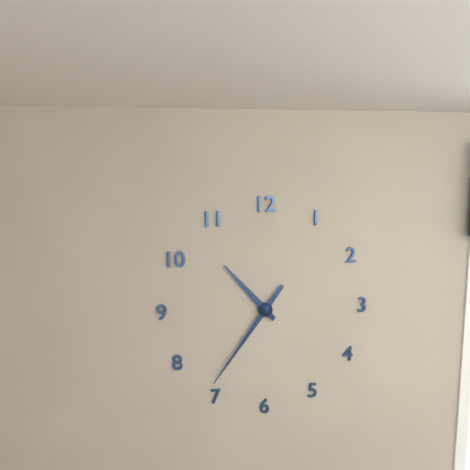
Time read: 10h36
